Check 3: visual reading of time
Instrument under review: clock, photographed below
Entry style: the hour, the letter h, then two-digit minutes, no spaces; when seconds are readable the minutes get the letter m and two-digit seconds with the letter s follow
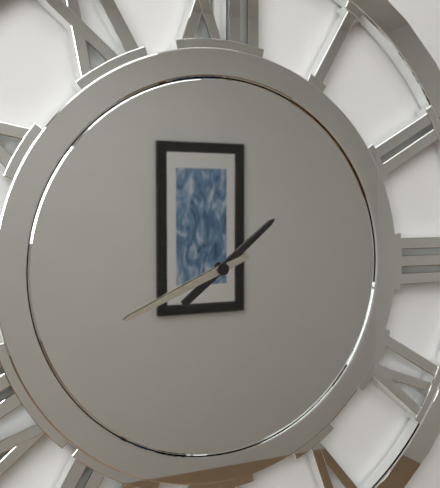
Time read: 1h41
